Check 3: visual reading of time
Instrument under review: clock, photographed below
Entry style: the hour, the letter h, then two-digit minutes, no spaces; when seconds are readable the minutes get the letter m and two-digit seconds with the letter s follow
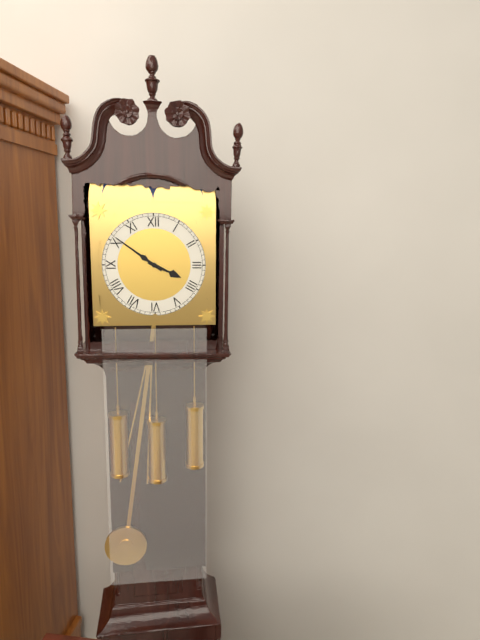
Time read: 3h51
